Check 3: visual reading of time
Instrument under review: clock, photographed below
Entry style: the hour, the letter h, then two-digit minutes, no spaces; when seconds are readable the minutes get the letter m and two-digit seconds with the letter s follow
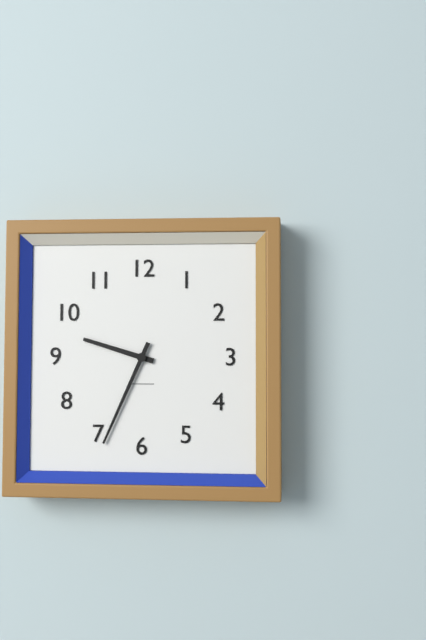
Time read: 9h34
